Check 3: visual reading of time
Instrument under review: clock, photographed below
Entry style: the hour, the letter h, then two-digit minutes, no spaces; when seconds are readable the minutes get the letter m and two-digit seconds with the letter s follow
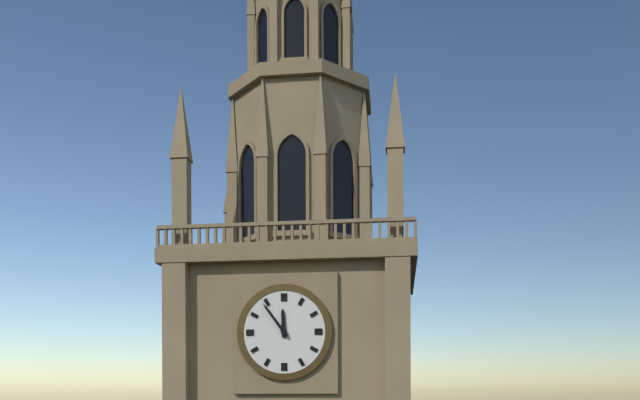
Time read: 11h54
